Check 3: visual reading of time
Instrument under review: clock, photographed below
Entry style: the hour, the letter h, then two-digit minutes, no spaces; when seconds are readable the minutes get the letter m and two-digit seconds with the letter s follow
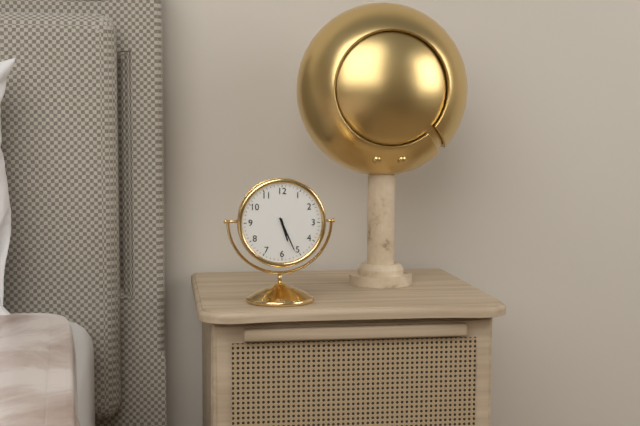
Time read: 5h26
